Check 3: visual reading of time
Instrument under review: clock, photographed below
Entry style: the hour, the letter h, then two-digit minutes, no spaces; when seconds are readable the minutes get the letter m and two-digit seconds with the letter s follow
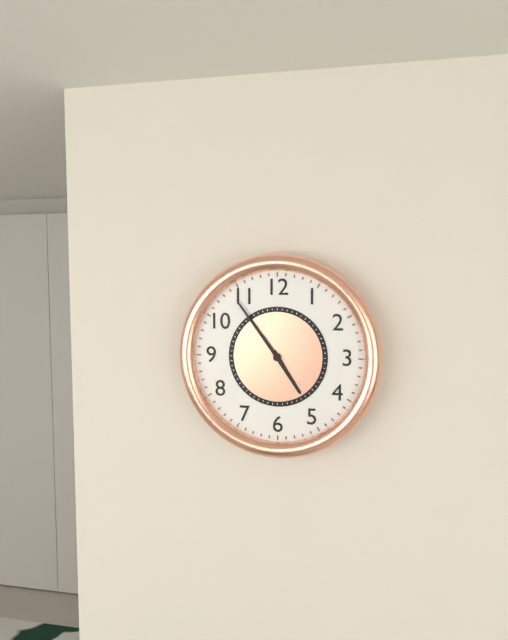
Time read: 4h54
